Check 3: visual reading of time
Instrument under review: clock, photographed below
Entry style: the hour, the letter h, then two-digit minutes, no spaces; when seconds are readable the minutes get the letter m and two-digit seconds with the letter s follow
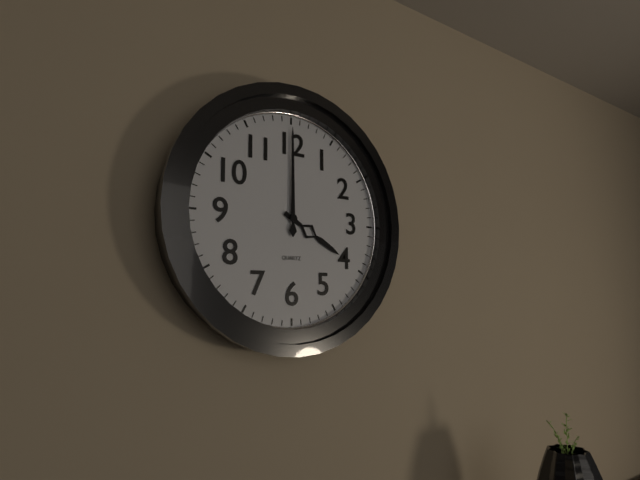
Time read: 4h00
